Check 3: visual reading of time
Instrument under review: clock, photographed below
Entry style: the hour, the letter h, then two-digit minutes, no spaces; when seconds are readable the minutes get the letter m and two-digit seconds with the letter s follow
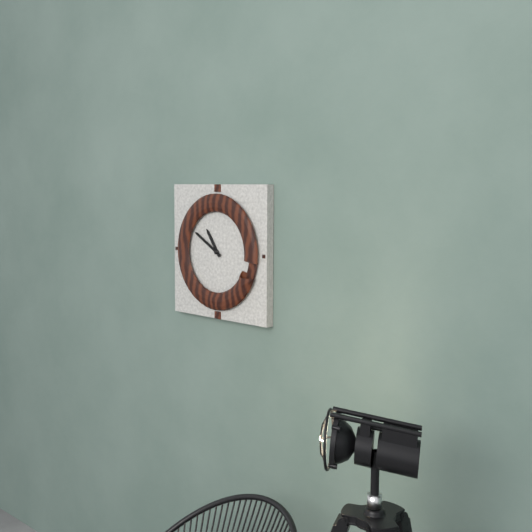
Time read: 10h50
